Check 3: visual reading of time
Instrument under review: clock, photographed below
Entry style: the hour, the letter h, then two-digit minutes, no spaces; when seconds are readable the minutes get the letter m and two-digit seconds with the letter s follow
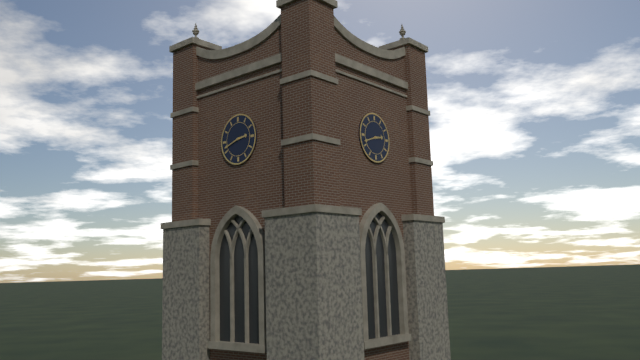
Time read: 2h42
